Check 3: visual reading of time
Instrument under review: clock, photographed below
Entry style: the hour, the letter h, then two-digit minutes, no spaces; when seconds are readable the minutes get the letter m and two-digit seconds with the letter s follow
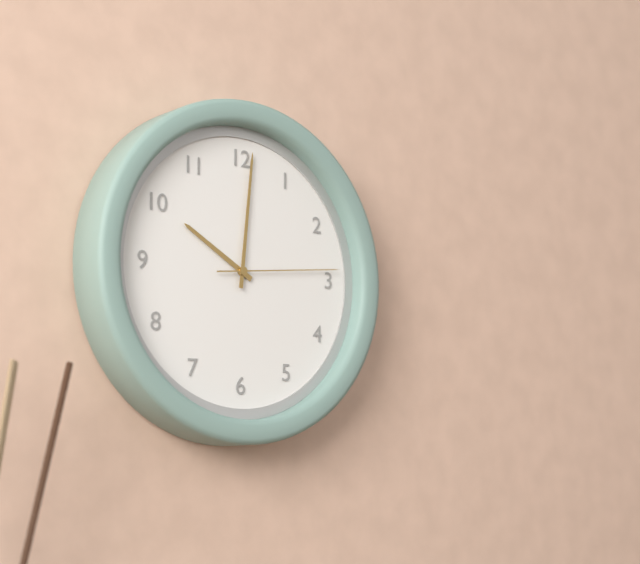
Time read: 10h01m14s
